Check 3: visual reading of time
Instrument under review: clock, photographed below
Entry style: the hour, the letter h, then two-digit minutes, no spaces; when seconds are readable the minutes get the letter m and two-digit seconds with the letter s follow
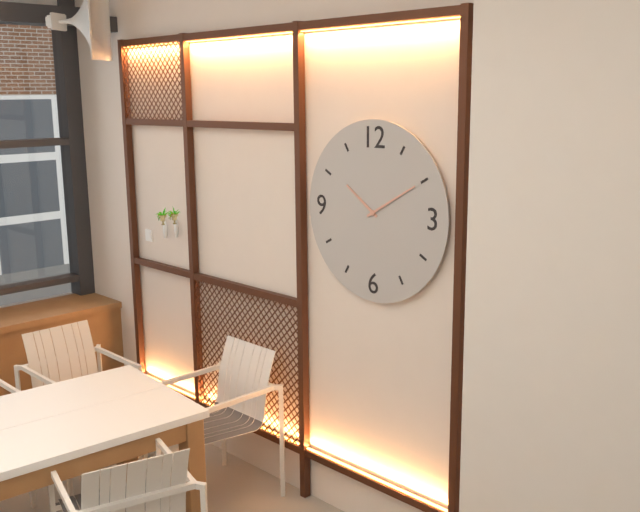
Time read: 10h10
